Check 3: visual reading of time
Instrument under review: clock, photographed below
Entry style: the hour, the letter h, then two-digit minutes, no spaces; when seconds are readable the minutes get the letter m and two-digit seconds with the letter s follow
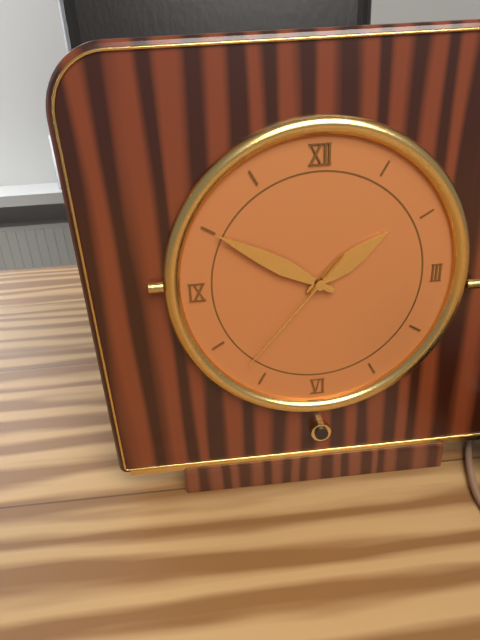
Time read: 1h50m37s
